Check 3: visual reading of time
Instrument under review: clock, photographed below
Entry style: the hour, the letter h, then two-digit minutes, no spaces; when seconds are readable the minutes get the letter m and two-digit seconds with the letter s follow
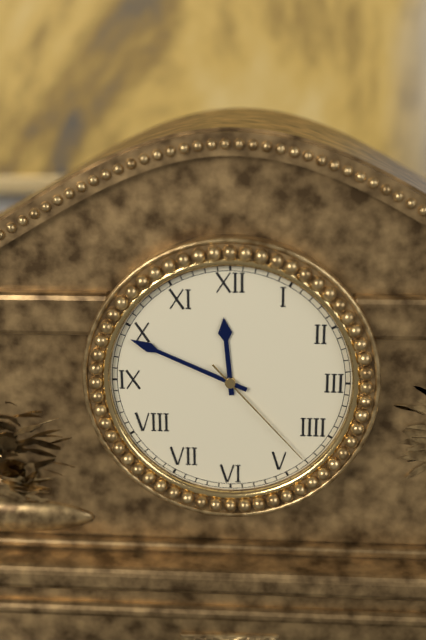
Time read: 11h49m23s
